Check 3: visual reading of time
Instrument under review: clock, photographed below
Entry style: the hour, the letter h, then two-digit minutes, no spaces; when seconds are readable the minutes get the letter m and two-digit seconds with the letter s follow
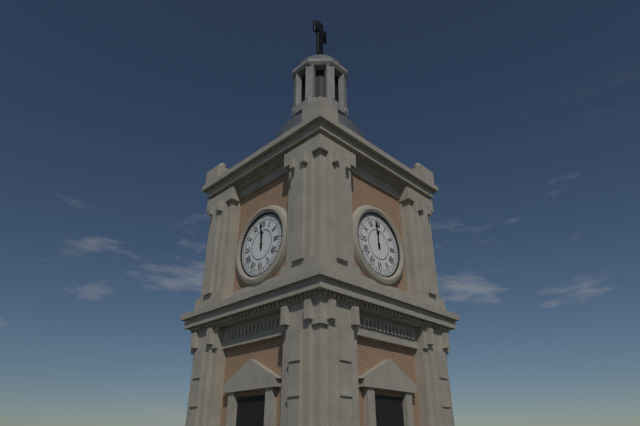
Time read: 11h59
